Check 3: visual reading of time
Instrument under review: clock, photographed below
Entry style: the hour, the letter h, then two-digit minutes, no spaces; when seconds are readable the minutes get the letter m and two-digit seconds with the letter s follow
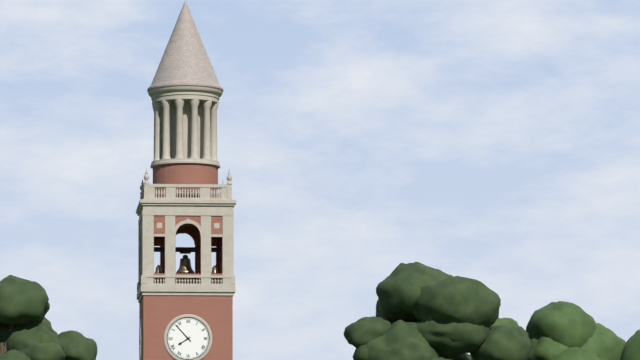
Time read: 7h53
